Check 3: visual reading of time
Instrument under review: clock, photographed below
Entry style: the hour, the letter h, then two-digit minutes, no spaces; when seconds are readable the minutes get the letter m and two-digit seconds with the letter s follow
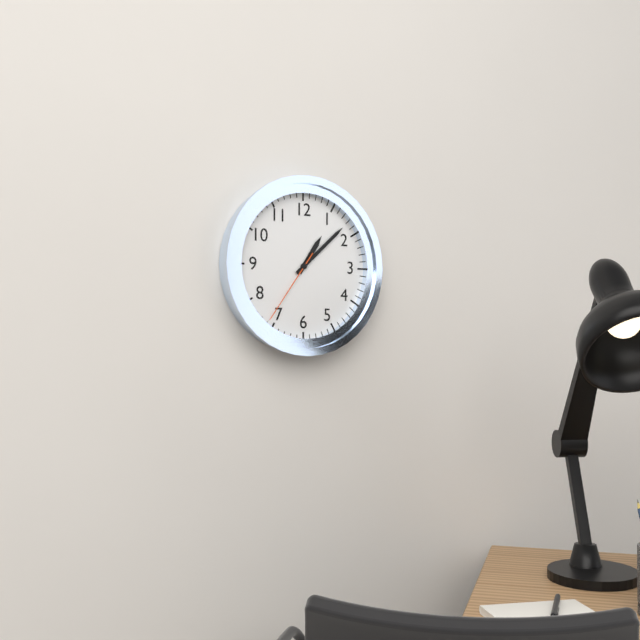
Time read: 1h08m36s
